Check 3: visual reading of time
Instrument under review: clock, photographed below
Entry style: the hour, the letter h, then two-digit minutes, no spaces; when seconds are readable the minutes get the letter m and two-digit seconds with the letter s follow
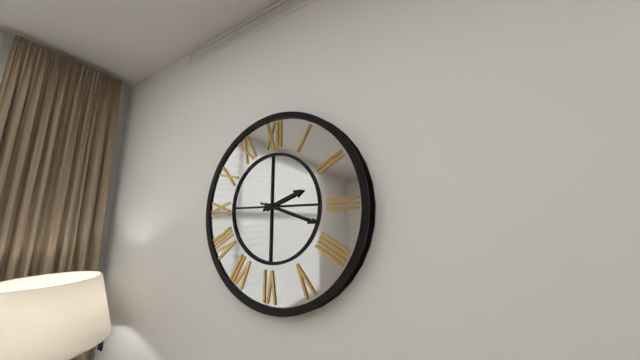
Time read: 2h18
